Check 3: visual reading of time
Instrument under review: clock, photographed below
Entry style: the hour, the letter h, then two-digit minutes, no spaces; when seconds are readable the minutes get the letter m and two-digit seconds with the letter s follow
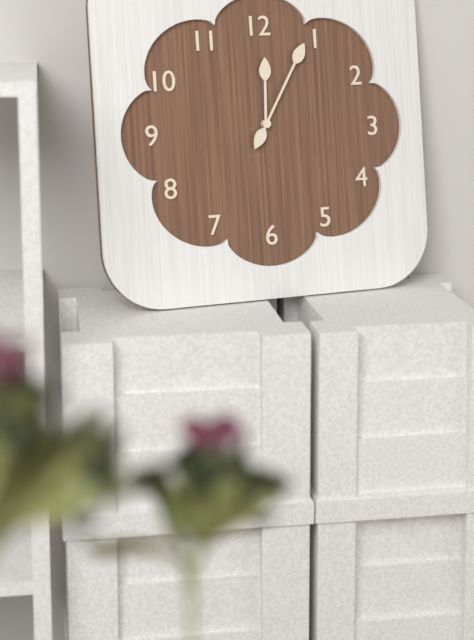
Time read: 12h05
